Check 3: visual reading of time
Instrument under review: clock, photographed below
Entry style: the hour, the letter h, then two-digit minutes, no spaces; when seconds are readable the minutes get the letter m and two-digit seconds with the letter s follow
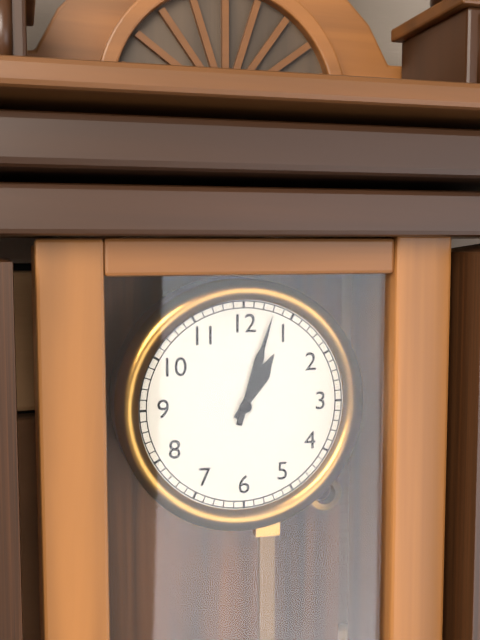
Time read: 1h03
